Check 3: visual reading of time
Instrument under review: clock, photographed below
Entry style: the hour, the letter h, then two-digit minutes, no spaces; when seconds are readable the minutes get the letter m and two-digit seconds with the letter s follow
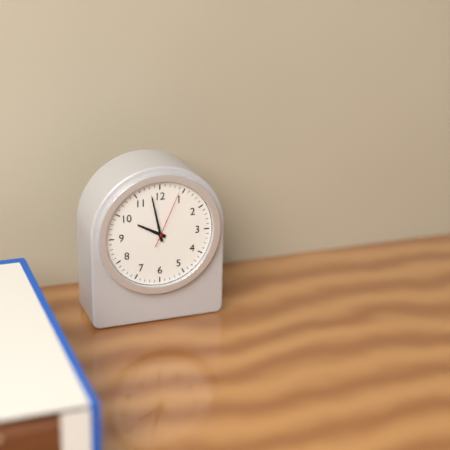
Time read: 9h58m04s
